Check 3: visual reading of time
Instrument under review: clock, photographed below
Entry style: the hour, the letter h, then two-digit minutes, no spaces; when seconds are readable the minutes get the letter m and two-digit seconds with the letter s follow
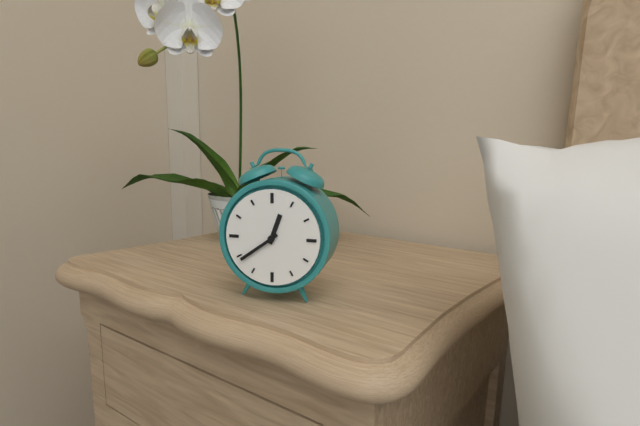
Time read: 12h39
